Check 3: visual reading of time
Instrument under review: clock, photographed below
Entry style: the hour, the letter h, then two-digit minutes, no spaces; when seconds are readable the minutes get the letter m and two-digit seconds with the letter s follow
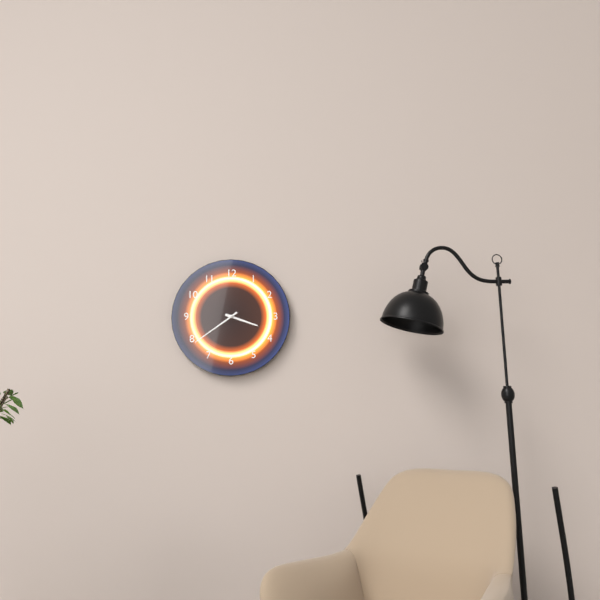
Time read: 3h39
